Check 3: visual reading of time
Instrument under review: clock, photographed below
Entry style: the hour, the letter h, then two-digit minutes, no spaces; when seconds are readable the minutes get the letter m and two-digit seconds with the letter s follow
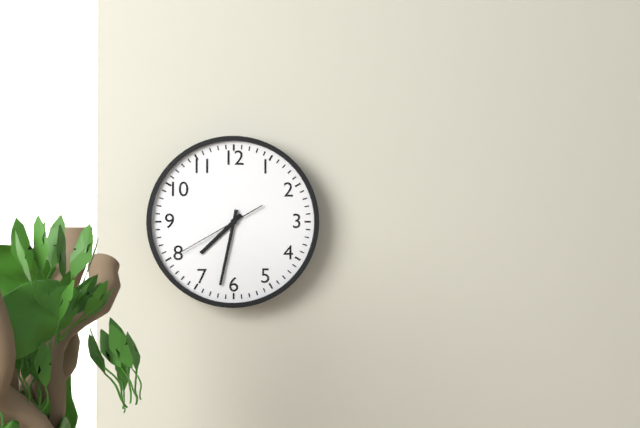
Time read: 7h32m40s
